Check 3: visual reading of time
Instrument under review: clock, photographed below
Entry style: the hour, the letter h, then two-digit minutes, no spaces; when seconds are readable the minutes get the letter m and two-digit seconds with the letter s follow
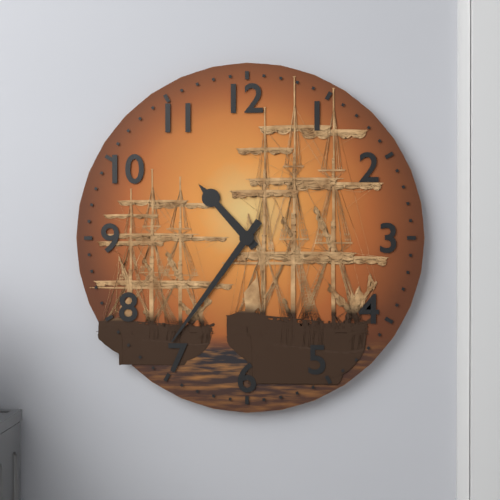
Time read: 10h36
